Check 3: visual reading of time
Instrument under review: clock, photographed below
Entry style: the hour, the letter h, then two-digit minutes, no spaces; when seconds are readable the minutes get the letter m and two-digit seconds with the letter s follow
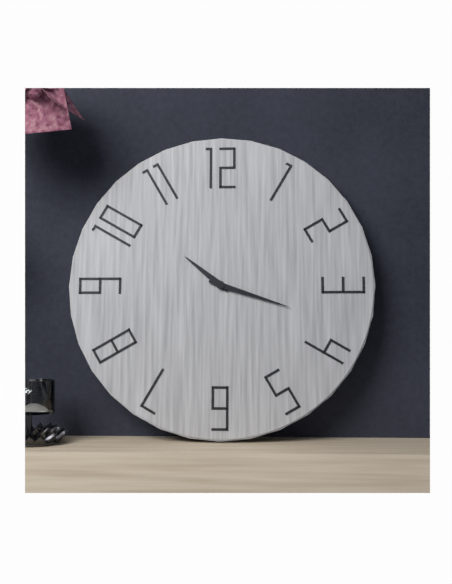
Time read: 10h18
